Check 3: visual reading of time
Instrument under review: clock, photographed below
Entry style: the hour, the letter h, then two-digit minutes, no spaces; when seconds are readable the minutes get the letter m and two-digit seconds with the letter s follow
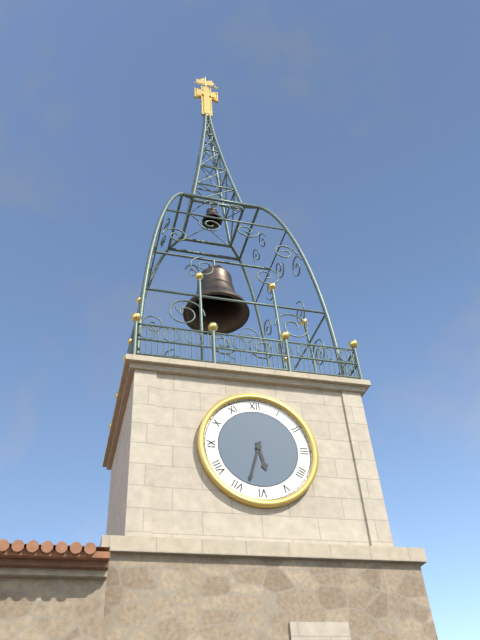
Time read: 5h33
